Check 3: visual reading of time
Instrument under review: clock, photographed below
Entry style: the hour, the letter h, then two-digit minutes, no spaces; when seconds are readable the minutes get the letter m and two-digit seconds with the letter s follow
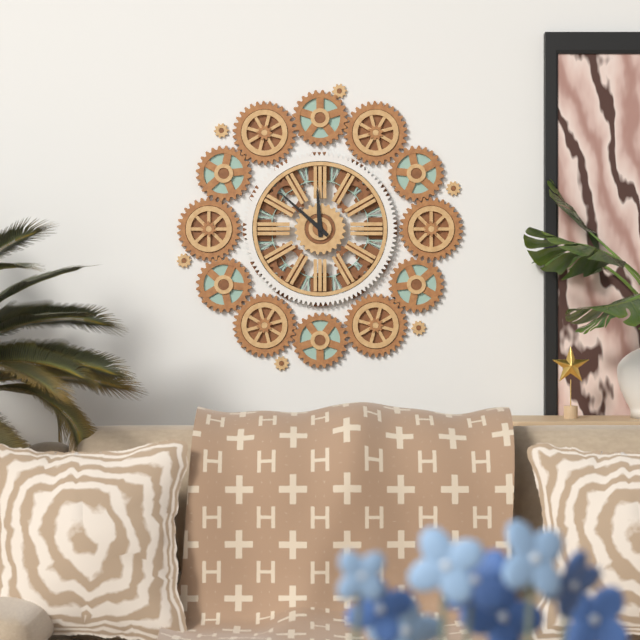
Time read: 11h52
